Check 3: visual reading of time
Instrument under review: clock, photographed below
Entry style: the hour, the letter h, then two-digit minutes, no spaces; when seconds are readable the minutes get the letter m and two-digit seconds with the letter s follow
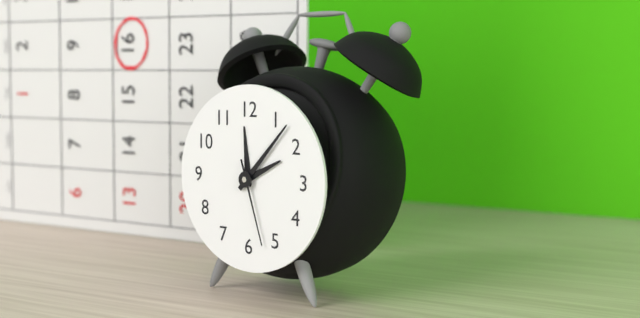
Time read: 2h07m27s
